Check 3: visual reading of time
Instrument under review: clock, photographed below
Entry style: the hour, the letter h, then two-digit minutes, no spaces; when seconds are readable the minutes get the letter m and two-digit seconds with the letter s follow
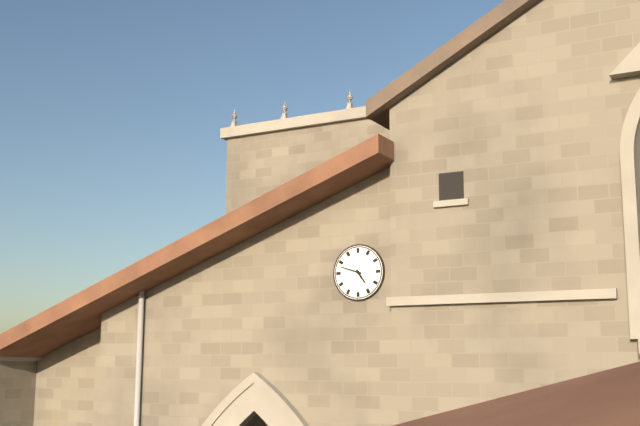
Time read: 4h48
